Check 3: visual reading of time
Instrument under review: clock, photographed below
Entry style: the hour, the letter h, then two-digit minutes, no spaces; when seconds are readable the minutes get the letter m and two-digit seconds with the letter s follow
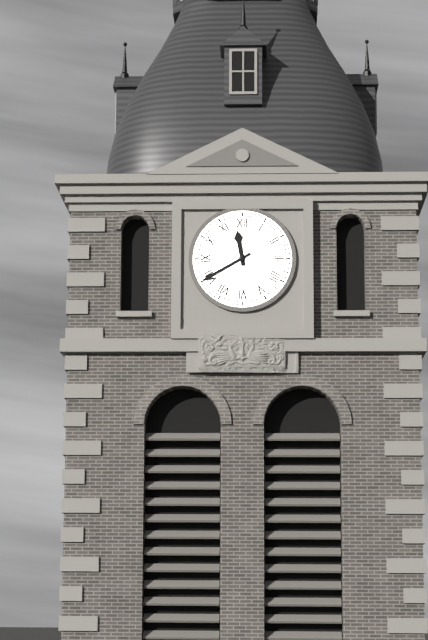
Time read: 11h40
